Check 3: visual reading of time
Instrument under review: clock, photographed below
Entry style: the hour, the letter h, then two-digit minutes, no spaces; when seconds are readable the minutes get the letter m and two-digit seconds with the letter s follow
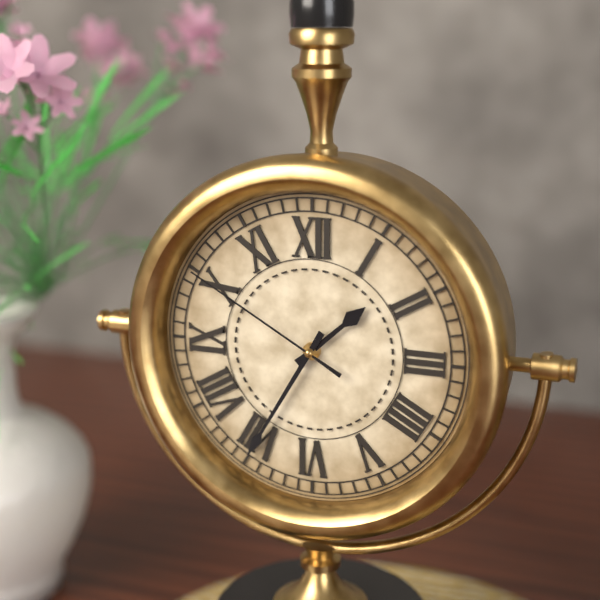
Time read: 1h35m50s
